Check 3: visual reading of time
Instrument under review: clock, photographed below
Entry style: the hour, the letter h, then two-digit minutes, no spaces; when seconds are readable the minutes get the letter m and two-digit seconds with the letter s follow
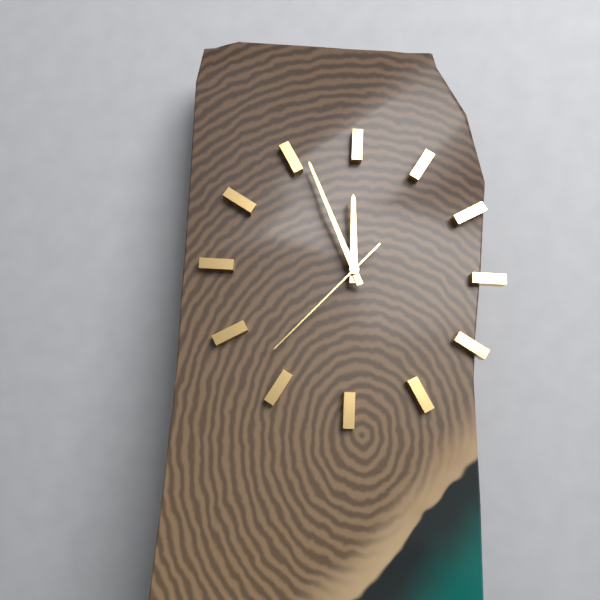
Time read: 11h56m37s
